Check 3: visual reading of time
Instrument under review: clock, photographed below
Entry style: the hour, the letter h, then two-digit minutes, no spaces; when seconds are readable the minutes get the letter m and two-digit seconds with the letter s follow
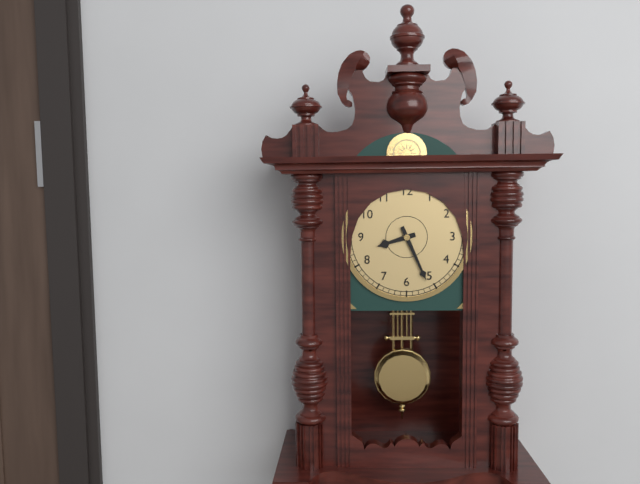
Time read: 8h26
